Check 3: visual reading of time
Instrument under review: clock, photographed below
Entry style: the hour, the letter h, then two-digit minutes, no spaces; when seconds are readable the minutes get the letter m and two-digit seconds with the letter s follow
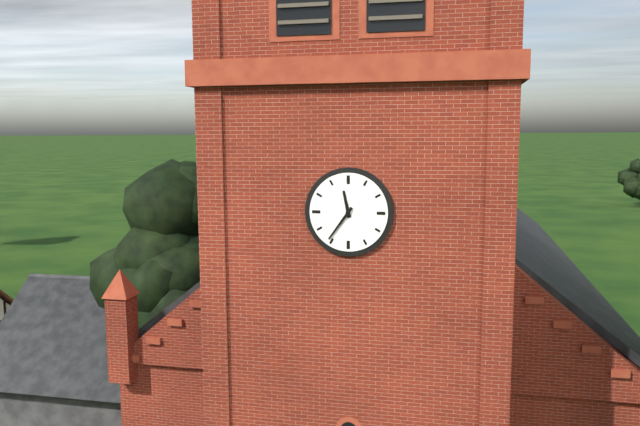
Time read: 11h36
